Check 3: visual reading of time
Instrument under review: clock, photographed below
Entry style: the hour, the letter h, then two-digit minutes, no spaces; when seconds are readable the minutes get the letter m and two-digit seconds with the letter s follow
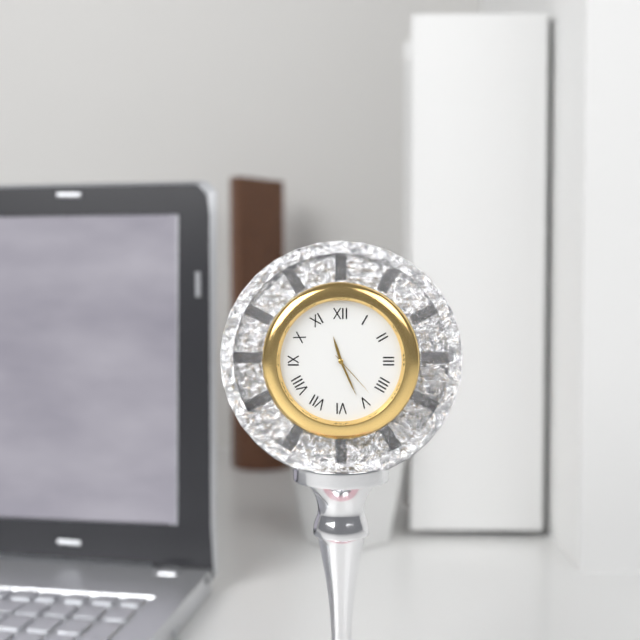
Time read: 11h26m23s
